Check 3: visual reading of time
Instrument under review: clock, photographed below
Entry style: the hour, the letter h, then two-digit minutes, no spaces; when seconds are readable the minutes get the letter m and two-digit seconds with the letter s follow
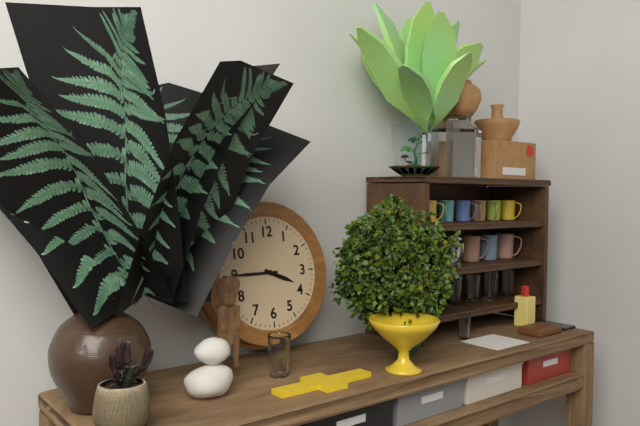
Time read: 3h45
